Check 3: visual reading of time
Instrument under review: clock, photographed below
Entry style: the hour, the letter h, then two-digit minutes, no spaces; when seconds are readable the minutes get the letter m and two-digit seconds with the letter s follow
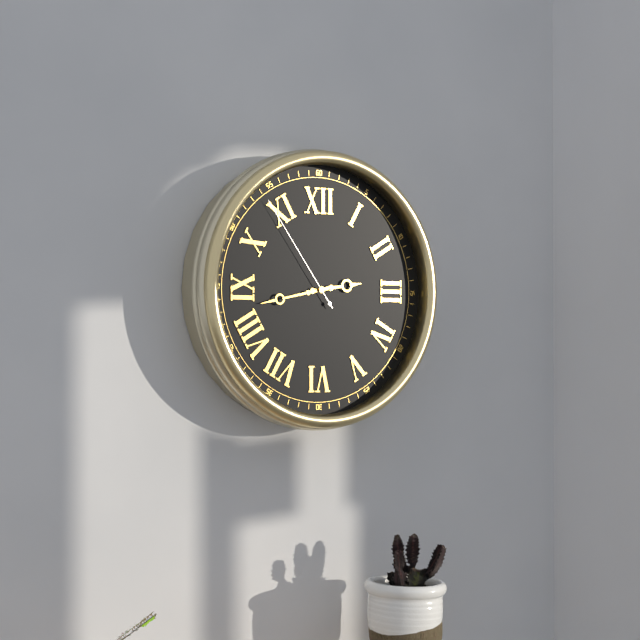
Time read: 2h43m54s
